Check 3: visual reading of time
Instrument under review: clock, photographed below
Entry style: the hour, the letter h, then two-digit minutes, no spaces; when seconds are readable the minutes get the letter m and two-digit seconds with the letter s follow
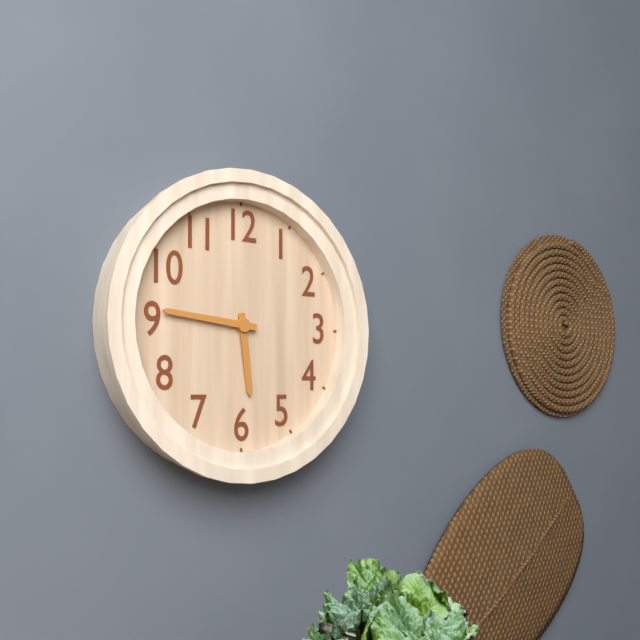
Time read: 5h46
